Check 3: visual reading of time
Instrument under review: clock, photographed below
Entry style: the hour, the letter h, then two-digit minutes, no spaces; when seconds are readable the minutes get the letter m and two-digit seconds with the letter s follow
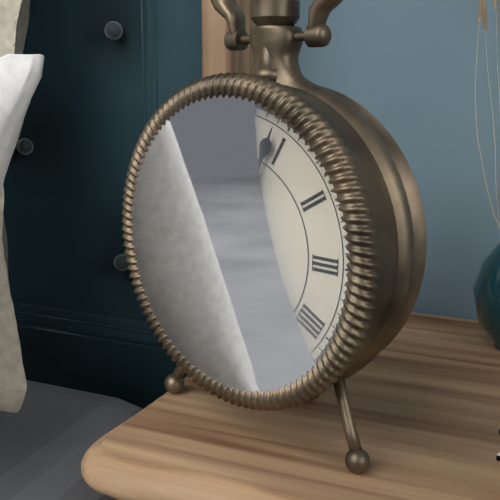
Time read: 4h04
